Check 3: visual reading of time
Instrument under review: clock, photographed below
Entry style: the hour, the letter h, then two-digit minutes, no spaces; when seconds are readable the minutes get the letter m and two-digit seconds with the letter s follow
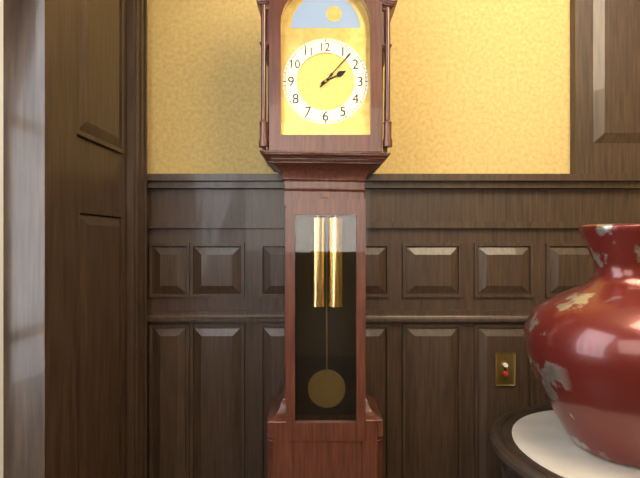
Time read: 2h07
